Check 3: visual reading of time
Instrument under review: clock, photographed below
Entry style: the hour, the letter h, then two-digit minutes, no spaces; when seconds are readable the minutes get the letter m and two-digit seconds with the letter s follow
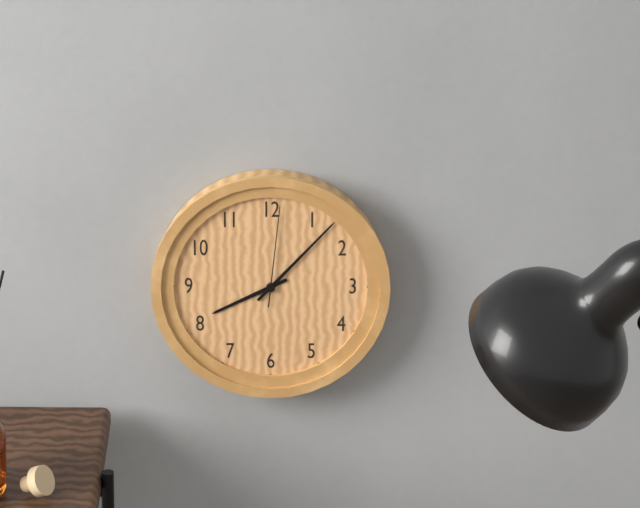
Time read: 8h07m01s
